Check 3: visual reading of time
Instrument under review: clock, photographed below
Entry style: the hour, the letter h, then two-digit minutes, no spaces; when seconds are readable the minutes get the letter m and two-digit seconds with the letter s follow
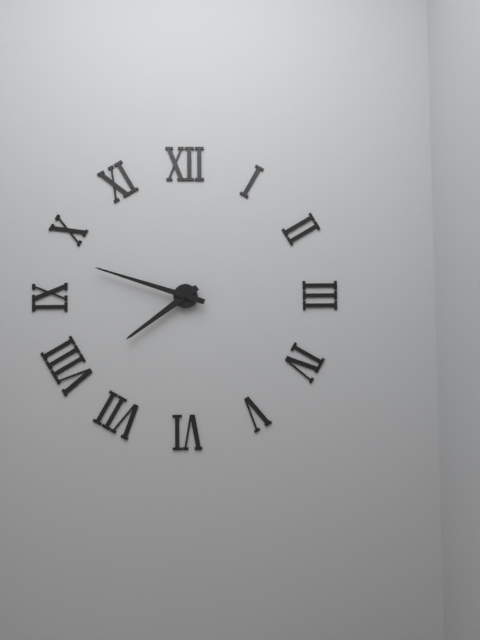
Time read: 7h48
